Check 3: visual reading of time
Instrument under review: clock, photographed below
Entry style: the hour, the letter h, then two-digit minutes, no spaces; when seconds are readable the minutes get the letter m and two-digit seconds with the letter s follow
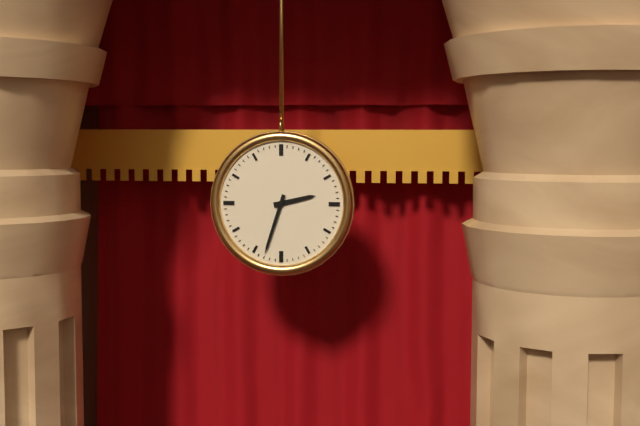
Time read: 2h33
